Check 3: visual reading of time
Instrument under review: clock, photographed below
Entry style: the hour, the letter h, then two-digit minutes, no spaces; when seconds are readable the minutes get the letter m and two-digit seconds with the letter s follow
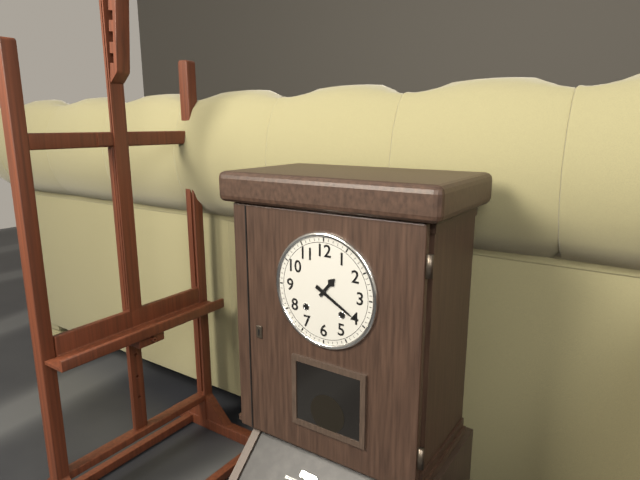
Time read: 1h20
